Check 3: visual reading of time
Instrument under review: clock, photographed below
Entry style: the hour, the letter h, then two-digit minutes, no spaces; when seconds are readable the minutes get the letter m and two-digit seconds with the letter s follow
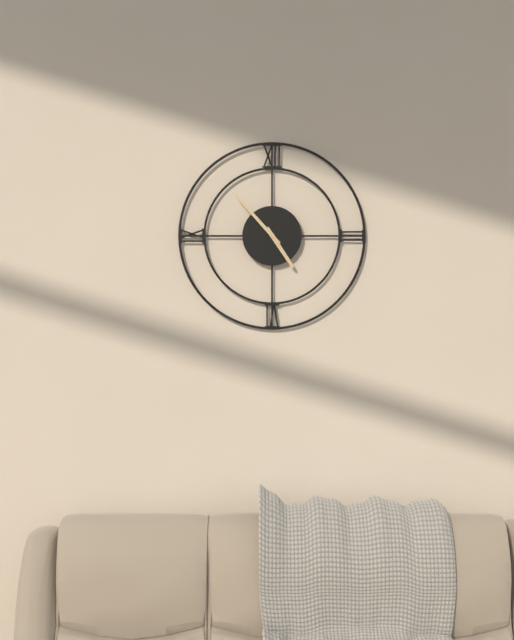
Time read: 4h53
